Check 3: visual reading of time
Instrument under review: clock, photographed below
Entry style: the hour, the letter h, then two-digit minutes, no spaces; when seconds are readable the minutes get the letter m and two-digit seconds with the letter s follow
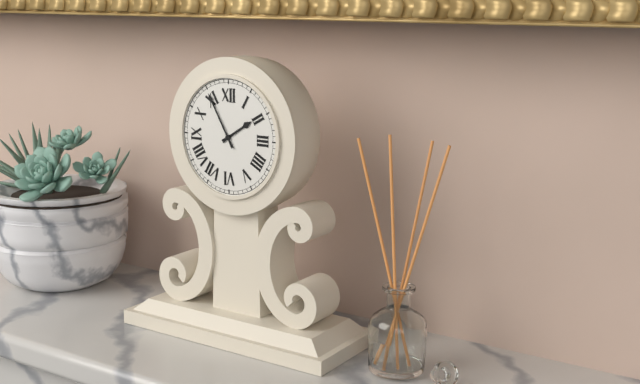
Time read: 1h55
